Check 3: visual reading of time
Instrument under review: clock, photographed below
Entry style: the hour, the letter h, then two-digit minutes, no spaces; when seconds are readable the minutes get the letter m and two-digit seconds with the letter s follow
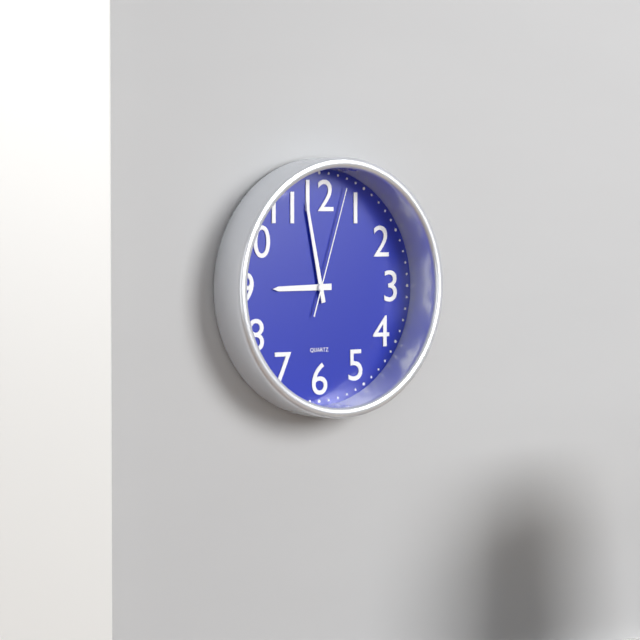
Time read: 8h58m03s
